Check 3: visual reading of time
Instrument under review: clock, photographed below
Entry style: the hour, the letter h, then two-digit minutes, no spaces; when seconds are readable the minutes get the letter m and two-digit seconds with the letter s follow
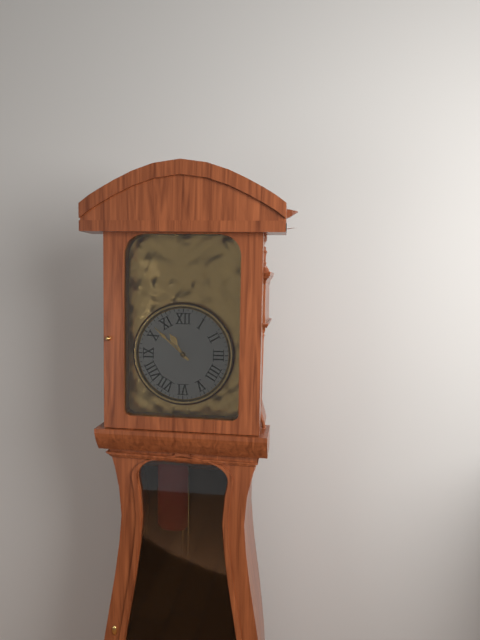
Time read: 10h52
